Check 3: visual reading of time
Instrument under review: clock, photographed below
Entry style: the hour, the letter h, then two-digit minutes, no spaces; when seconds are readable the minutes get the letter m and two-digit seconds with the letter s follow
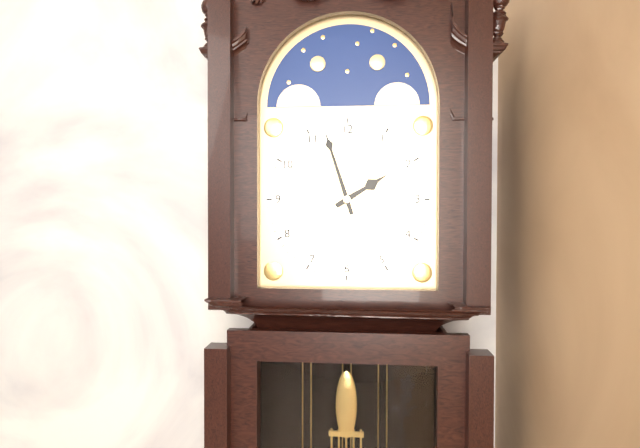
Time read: 1h57
